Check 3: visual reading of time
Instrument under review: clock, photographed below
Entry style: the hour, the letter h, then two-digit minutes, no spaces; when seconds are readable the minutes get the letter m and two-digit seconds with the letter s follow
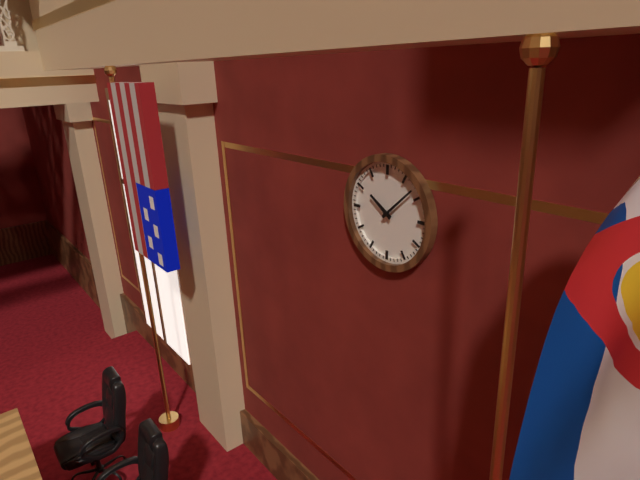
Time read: 10h08
